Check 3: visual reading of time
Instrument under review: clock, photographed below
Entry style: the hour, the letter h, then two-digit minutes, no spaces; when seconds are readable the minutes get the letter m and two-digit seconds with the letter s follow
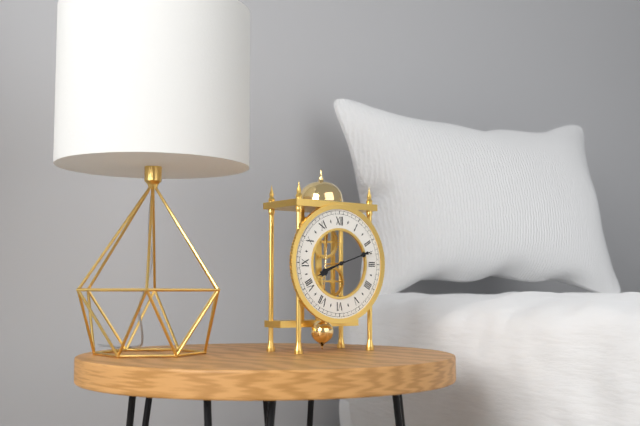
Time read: 8h12
